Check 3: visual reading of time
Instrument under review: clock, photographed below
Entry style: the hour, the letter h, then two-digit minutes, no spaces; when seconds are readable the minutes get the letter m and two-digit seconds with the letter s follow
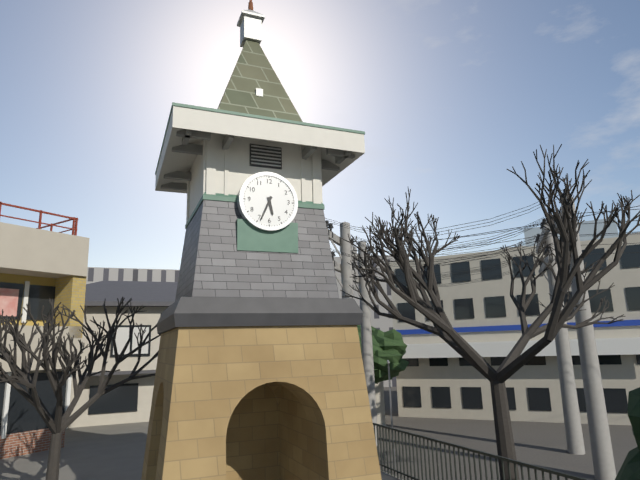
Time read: 5h34
